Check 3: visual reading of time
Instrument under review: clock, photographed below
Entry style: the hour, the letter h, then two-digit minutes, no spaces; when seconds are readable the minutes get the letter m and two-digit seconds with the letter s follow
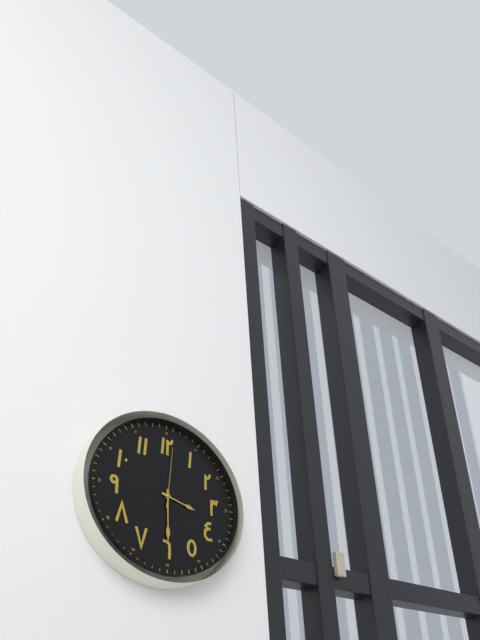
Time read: 3h30m01s
